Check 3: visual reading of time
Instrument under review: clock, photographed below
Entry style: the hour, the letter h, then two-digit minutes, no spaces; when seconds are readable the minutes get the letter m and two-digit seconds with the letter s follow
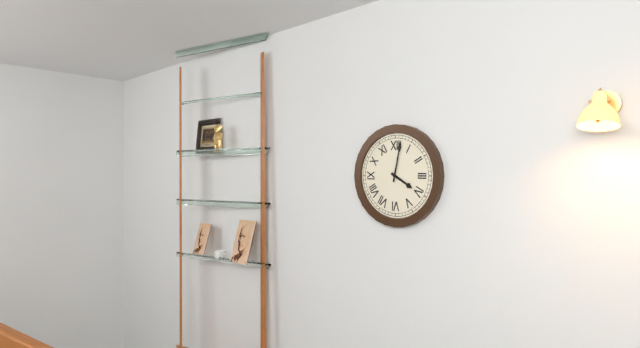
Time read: 4h02
